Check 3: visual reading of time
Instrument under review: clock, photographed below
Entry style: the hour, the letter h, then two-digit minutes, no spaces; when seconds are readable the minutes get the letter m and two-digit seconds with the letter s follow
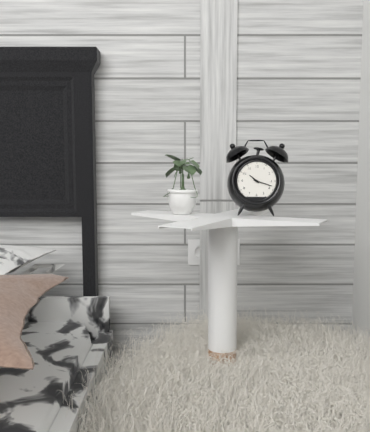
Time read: 10h18
